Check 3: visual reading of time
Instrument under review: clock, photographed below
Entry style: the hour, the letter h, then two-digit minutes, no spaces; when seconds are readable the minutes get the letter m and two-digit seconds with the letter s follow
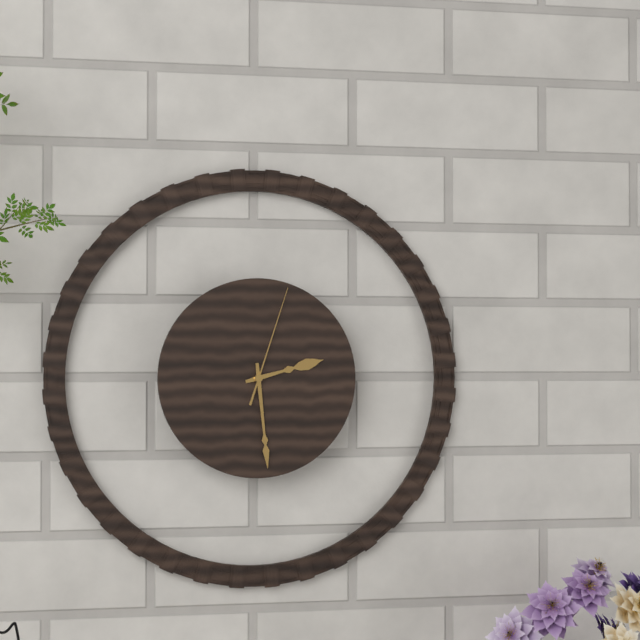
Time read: 2h29m03s
